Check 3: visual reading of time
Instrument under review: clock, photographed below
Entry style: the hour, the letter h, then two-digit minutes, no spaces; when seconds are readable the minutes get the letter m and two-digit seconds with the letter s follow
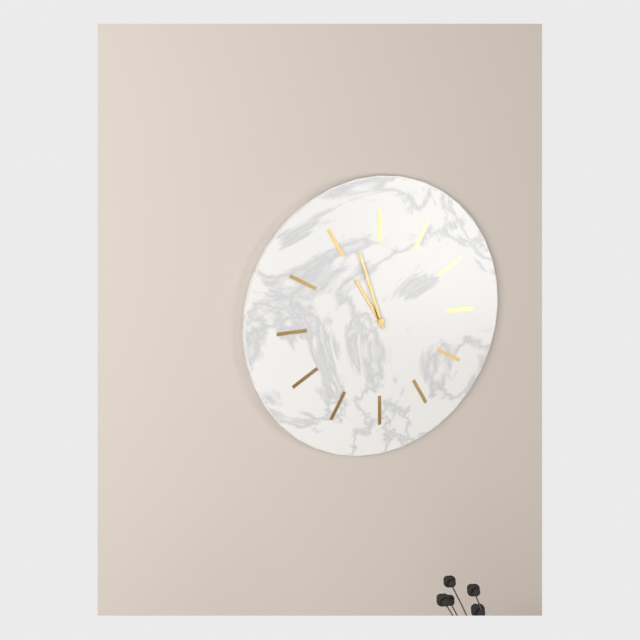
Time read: 10h57
